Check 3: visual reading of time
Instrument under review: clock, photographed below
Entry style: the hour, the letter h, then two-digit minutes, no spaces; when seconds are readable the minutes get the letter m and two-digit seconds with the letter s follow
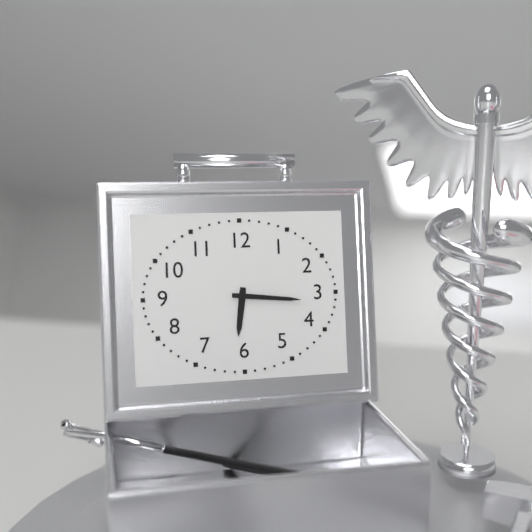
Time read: 6h16
